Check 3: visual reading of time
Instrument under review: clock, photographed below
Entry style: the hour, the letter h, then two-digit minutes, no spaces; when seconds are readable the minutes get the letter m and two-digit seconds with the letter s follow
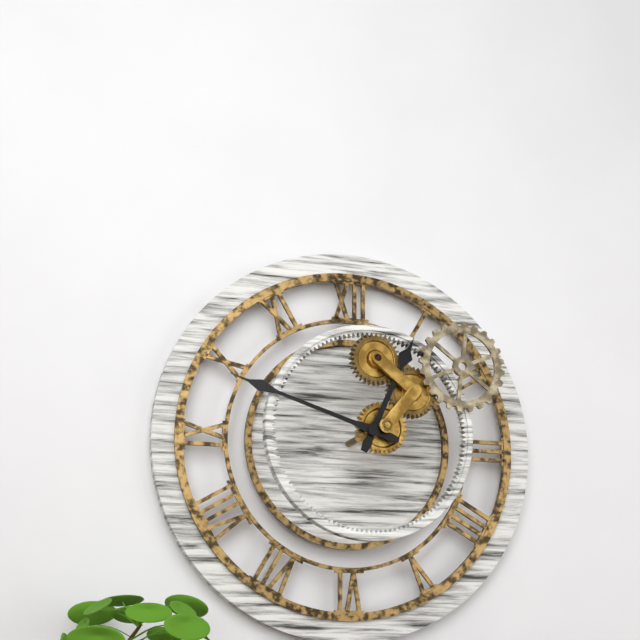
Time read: 12h48
